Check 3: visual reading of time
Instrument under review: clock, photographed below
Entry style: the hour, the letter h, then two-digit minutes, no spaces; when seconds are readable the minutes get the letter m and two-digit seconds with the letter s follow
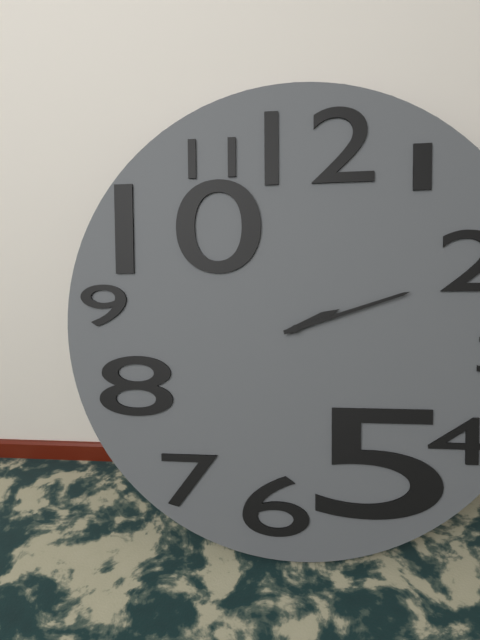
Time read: 2h12
